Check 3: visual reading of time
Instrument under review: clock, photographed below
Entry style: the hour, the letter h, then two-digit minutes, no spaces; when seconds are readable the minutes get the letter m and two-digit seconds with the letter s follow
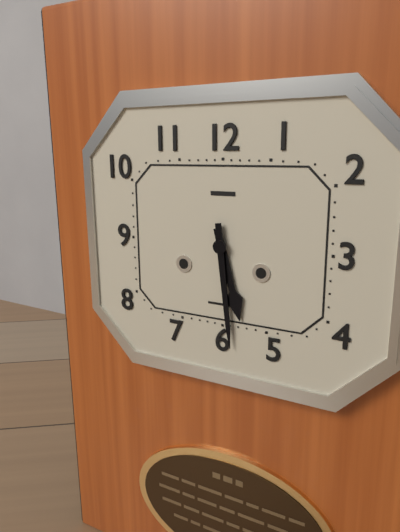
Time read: 5h29
